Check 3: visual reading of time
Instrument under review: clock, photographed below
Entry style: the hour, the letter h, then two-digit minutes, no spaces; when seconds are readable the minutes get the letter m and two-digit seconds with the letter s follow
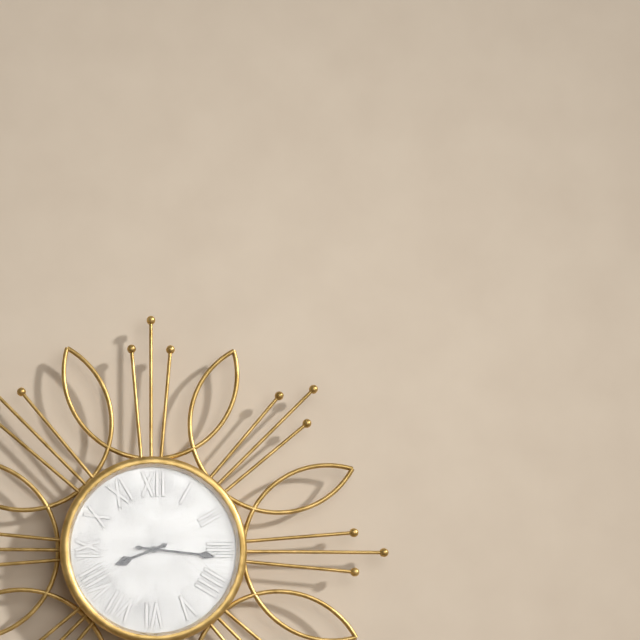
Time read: 8h16
